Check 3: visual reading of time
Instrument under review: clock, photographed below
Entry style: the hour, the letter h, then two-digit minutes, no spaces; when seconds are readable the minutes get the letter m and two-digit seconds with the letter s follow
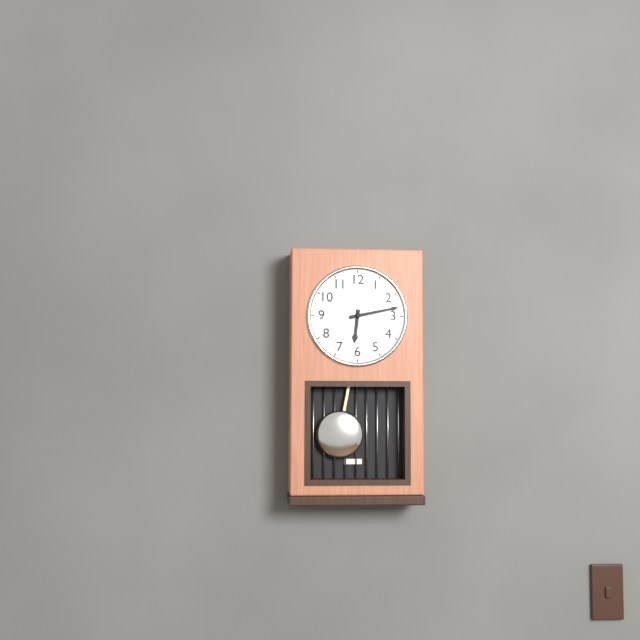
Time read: 6h13
